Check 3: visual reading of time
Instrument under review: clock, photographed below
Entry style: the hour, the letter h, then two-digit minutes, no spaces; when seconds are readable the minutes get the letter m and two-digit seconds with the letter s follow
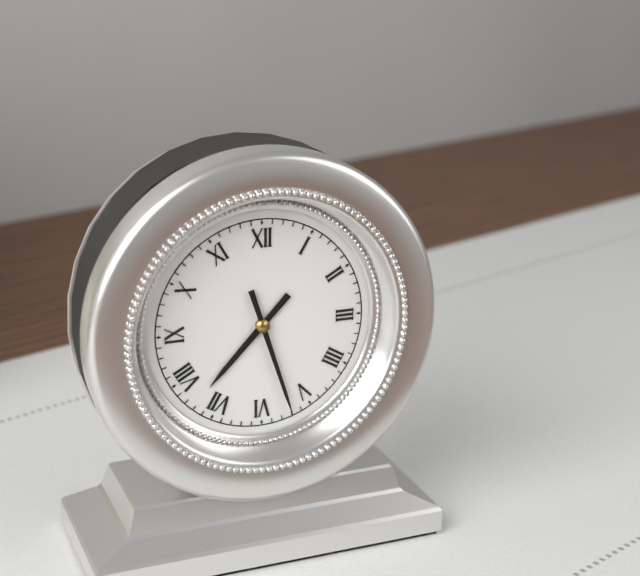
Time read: 7h27
